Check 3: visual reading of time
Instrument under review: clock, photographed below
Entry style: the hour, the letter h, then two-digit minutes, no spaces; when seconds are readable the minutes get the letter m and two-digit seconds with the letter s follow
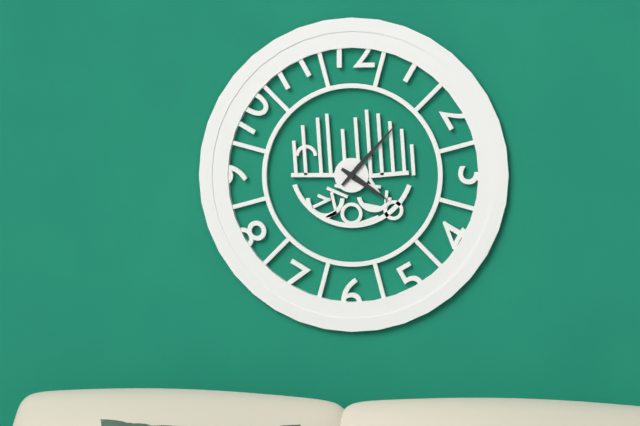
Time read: 4h07
